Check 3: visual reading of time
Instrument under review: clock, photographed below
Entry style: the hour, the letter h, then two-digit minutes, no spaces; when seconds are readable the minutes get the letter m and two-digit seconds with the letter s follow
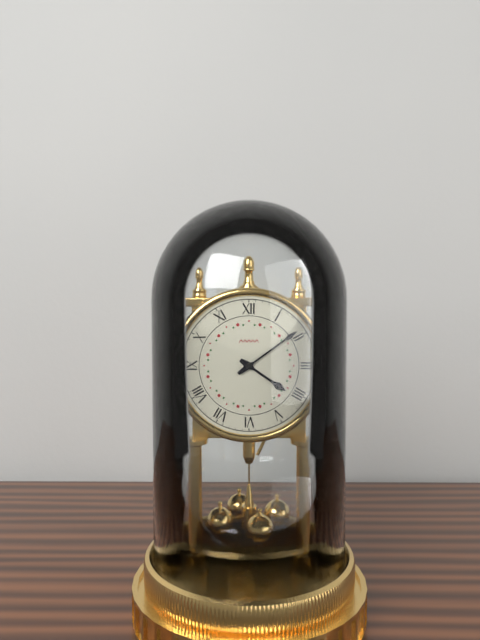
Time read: 4h09
